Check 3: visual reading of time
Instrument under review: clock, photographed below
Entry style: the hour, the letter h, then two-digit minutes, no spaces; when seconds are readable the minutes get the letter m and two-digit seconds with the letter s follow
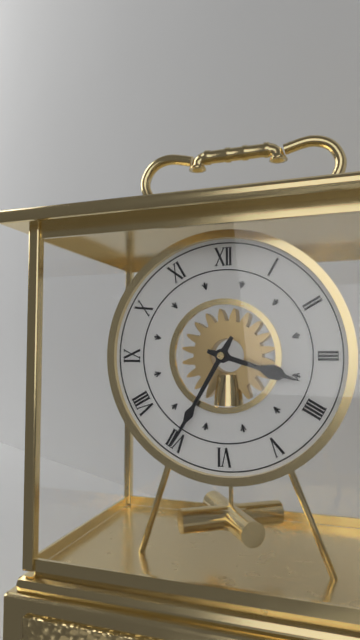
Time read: 3h35
